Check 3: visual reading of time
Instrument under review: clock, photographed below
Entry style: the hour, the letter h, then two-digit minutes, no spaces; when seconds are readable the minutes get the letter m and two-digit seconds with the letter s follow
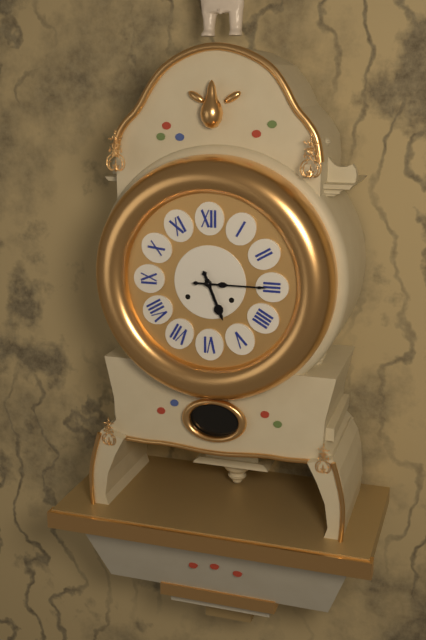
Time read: 5h15
